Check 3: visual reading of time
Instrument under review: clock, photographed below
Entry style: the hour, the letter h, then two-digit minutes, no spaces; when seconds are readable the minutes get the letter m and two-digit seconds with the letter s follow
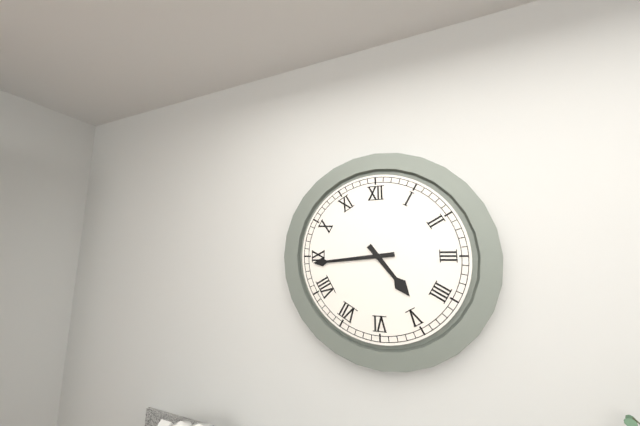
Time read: 4h44
